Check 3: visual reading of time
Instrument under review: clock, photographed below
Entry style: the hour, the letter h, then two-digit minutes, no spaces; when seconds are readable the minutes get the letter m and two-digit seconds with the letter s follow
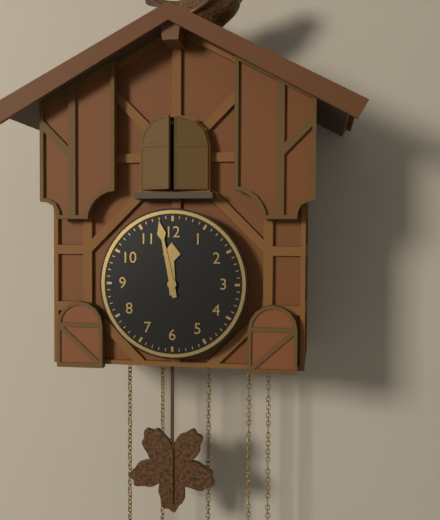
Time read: 11h58
